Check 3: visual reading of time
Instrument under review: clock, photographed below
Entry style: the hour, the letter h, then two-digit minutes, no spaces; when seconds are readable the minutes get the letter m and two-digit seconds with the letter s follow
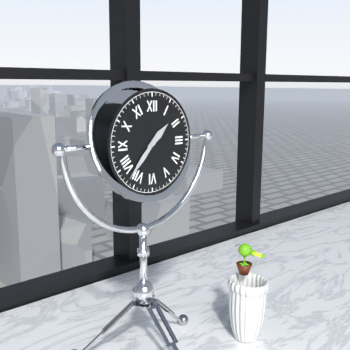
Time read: 1h37
